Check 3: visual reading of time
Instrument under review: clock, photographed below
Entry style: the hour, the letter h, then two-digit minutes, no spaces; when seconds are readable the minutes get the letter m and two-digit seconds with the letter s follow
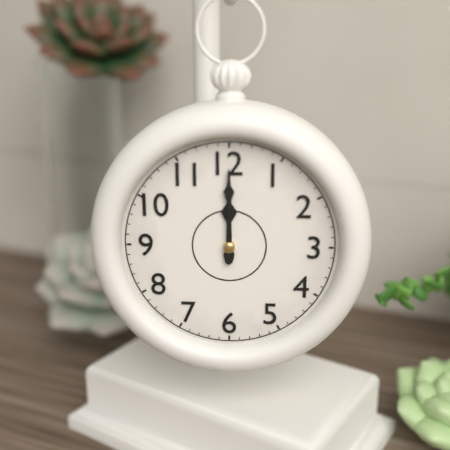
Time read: 12h00
